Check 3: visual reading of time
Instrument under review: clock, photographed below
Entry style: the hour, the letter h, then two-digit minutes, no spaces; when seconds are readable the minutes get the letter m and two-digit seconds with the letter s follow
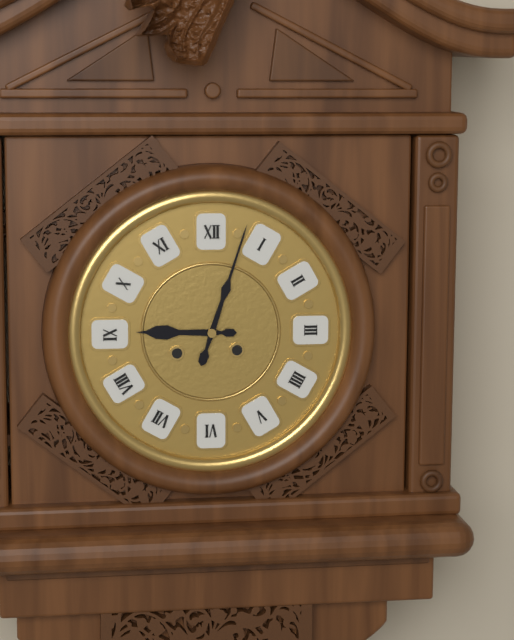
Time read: 9h03
